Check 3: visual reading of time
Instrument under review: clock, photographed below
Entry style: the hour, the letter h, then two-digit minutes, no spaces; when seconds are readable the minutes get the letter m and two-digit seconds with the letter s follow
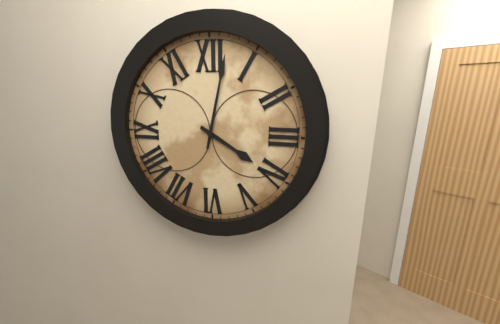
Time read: 4h02
